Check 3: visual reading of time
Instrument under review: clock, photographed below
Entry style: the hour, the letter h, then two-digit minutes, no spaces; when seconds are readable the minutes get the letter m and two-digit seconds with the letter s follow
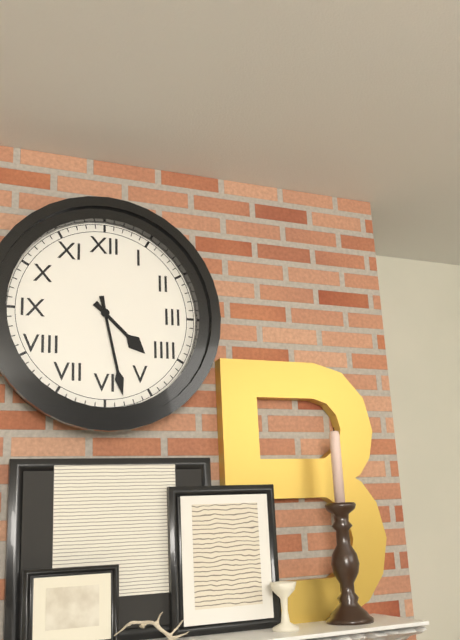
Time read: 4h28
